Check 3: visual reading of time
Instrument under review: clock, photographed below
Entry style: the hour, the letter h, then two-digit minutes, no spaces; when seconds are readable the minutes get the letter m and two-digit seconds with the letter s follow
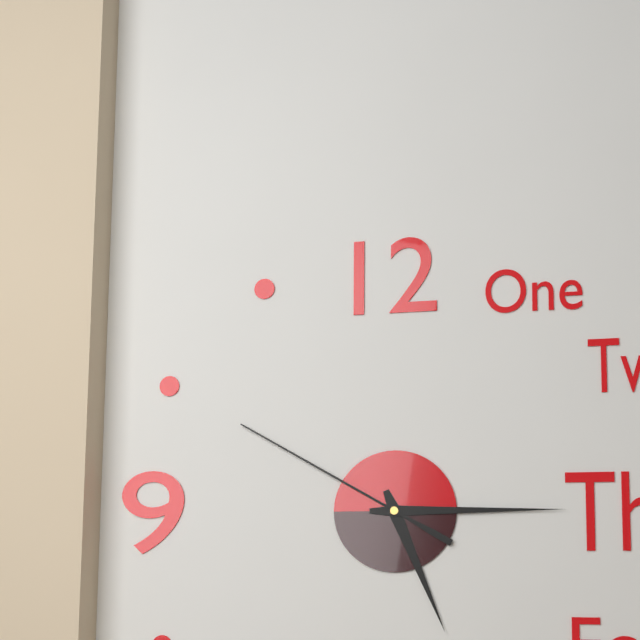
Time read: 5h15m50s
